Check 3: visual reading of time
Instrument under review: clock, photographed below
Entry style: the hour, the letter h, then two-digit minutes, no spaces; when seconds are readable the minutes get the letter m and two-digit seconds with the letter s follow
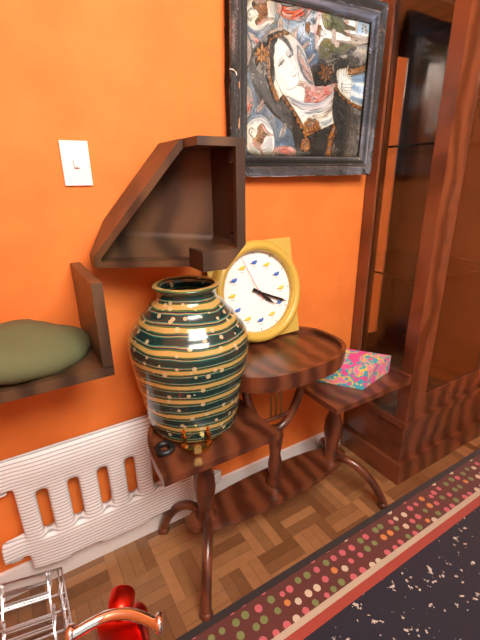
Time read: 4h19
